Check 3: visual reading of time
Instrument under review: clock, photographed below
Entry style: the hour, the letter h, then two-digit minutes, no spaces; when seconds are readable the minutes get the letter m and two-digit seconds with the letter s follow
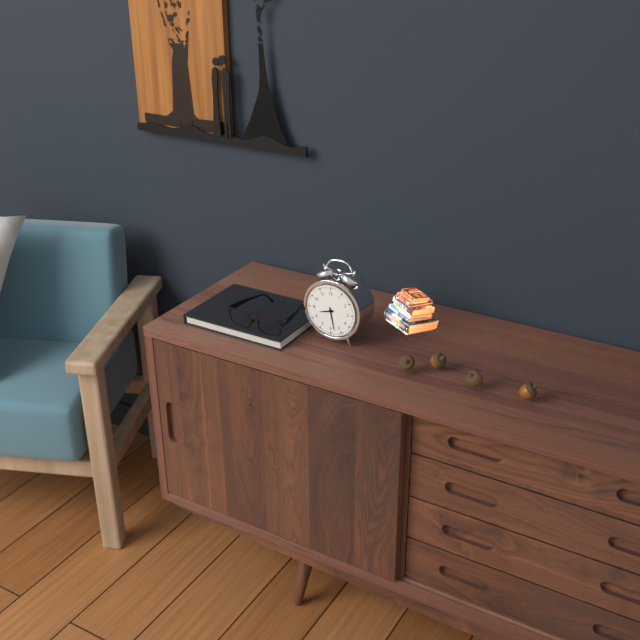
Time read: 8h28
